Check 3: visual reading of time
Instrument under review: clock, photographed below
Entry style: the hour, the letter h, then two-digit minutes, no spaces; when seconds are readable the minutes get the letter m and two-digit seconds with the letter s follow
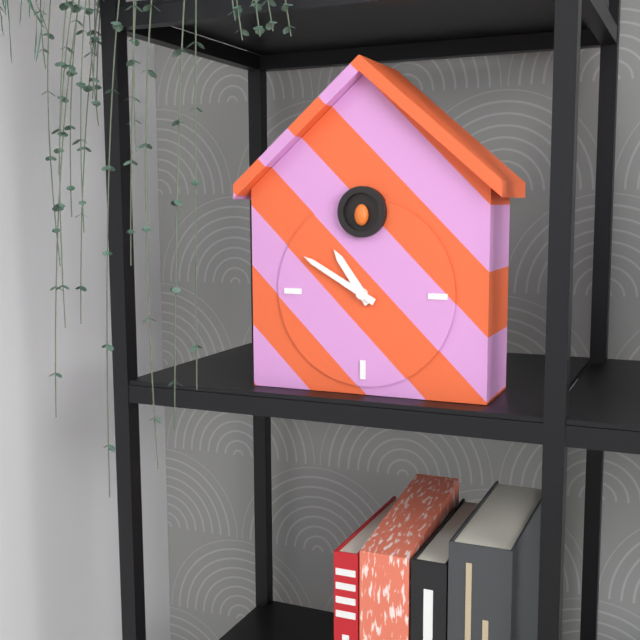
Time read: 10h50
